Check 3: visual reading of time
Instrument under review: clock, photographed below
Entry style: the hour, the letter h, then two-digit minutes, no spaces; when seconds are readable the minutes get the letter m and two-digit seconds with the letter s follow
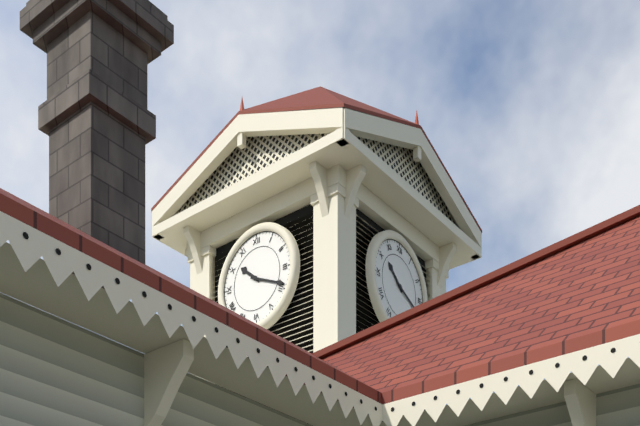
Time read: 10h19
